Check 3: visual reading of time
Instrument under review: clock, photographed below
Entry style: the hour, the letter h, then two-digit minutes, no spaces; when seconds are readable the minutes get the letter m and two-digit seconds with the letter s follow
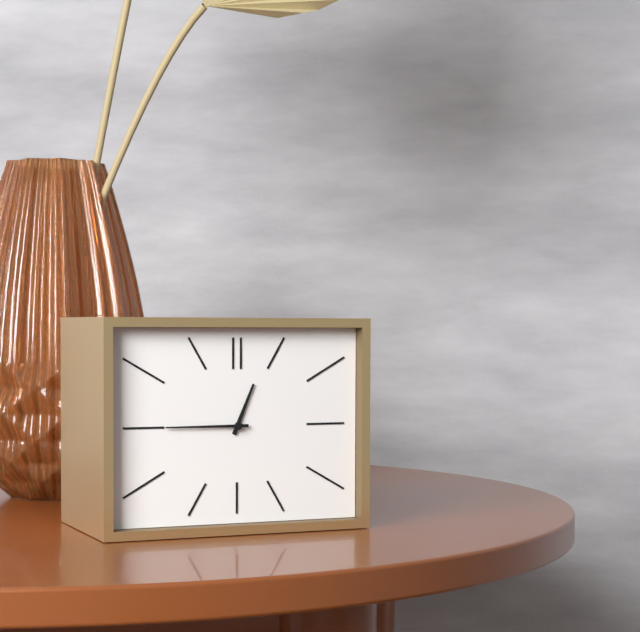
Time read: 12h45
